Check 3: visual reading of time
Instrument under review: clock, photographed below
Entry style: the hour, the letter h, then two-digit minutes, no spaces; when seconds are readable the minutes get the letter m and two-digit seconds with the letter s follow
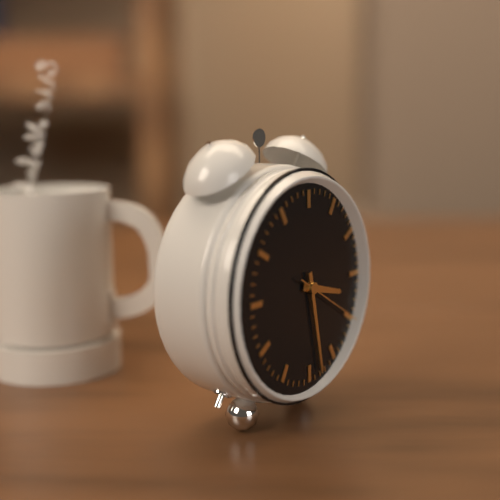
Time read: 3h28m20s
